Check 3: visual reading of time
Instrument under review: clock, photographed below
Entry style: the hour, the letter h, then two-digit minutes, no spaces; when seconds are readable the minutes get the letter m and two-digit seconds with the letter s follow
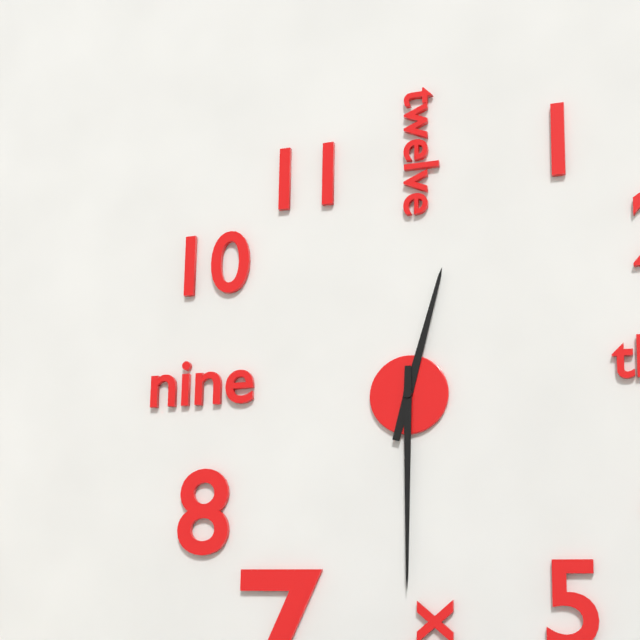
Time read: 12h30
